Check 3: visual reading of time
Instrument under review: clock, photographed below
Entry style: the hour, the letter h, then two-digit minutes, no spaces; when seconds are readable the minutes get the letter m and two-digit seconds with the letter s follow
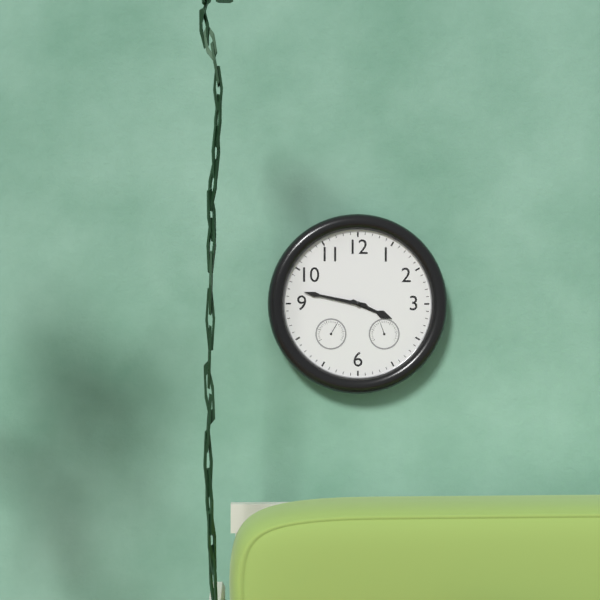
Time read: 3h47
